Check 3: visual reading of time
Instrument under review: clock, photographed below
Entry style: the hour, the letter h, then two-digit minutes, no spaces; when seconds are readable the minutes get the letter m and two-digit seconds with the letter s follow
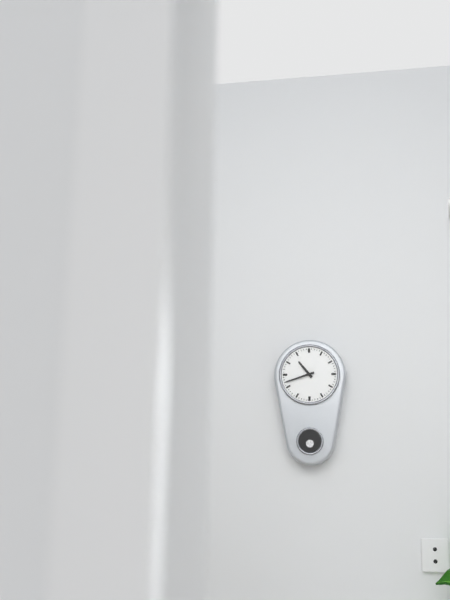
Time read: 10h42
